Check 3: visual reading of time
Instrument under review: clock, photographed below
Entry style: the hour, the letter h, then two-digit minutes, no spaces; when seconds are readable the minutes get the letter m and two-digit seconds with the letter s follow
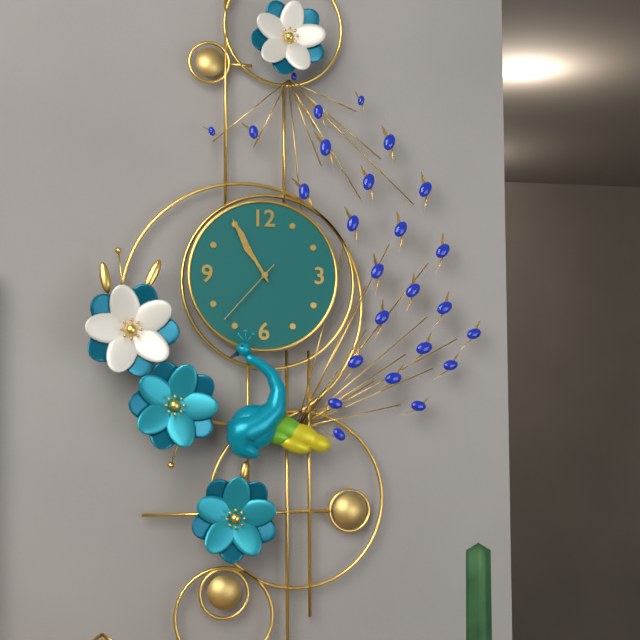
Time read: 10h55m37s
